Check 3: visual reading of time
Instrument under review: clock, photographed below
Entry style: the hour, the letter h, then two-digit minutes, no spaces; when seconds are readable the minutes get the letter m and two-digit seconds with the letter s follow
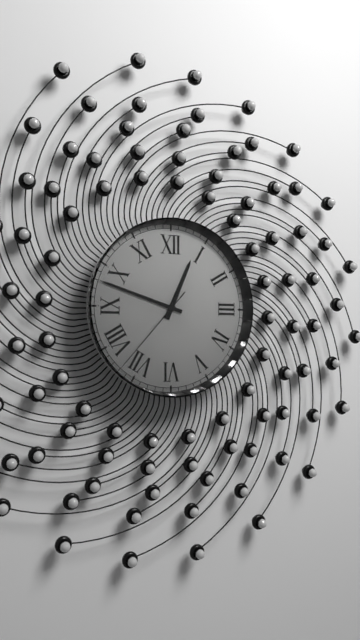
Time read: 12h48m37s
